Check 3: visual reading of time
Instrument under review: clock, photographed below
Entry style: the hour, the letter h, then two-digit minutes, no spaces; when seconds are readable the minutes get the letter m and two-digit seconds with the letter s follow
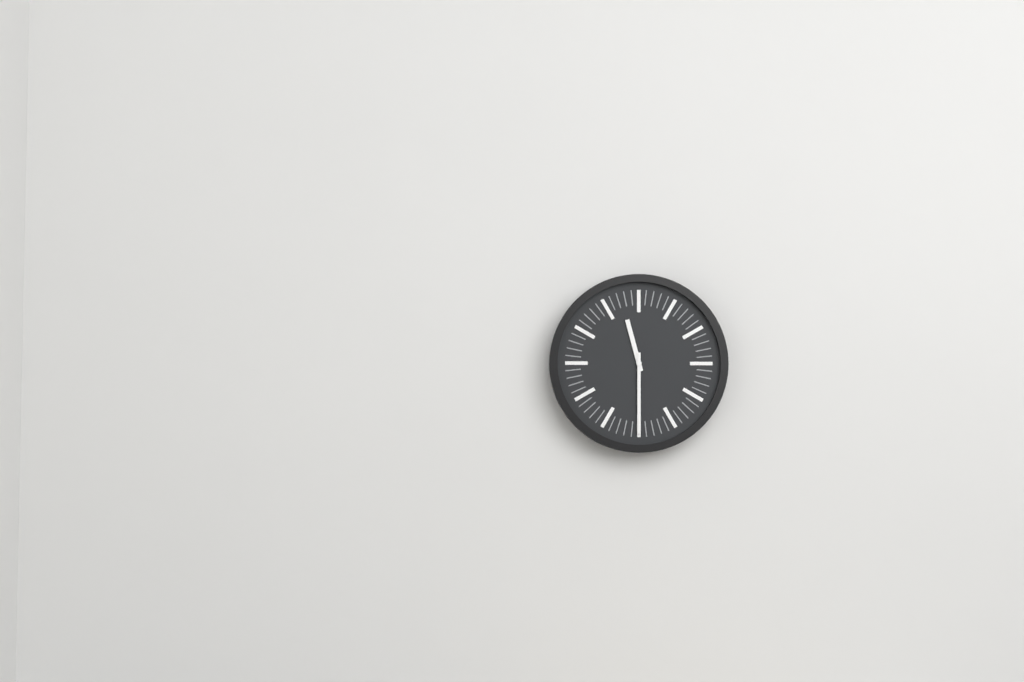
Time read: 11h30
